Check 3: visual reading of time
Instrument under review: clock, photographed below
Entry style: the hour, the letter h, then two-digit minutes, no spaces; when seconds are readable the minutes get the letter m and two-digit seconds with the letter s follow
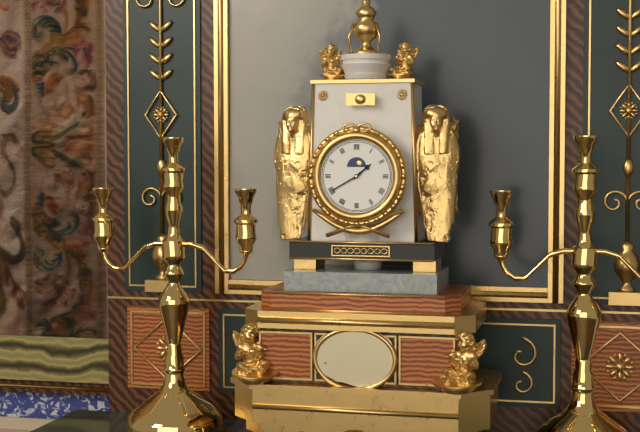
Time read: 1h40
